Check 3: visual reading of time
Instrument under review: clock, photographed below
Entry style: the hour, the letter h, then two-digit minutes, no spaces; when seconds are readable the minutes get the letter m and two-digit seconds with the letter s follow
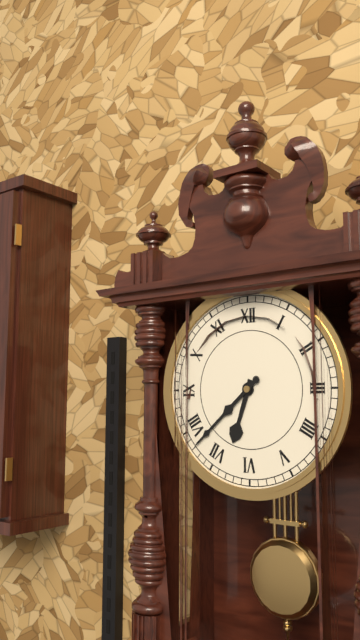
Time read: 6h38
